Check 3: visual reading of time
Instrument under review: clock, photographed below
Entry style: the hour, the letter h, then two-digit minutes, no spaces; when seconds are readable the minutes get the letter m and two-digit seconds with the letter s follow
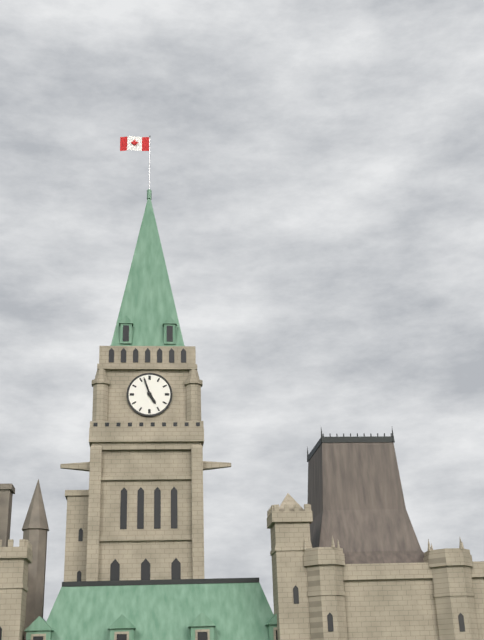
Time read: 4h57
